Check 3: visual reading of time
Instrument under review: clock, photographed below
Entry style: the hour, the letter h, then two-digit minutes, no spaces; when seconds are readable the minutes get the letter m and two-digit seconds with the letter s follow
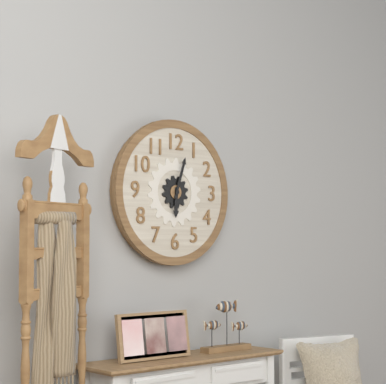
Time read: 6h03
